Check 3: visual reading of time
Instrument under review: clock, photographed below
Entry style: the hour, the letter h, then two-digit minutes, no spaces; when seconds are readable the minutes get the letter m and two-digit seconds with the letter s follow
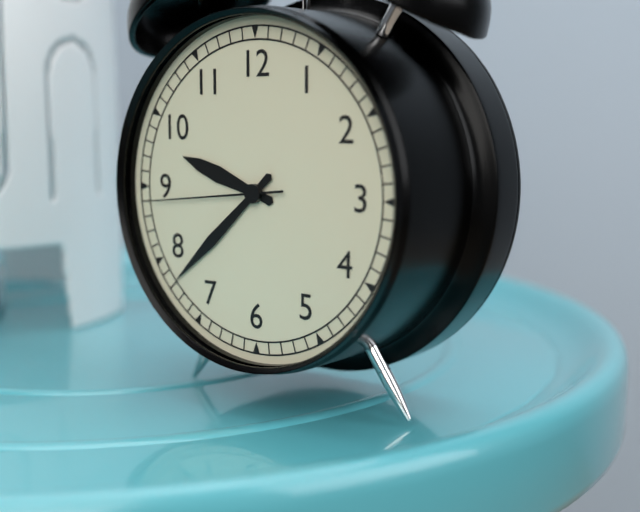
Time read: 9h38m44s
